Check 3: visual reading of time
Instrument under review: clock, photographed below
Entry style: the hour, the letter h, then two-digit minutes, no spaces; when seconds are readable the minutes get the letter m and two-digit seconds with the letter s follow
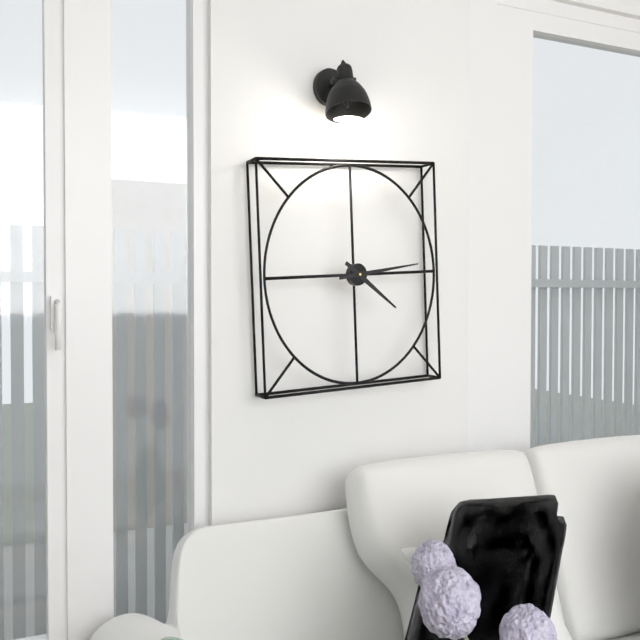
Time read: 4h14
